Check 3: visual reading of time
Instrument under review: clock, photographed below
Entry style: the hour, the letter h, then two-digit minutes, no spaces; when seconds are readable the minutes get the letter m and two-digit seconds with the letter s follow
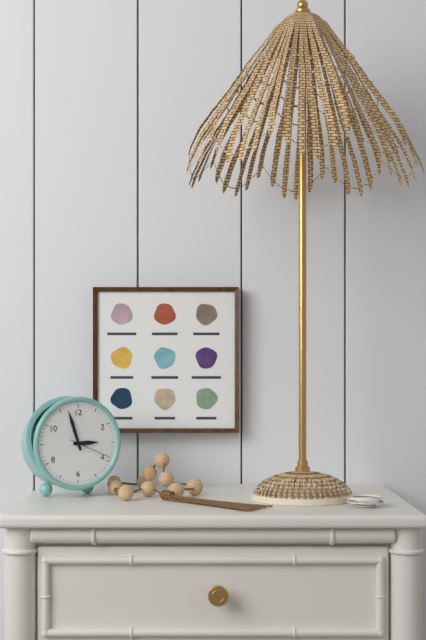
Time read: 2h57
